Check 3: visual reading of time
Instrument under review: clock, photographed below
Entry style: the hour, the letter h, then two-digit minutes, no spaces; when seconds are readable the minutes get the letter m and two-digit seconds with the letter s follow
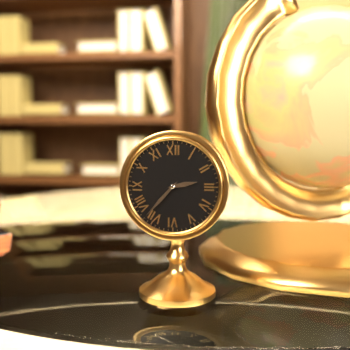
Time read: 2h37
